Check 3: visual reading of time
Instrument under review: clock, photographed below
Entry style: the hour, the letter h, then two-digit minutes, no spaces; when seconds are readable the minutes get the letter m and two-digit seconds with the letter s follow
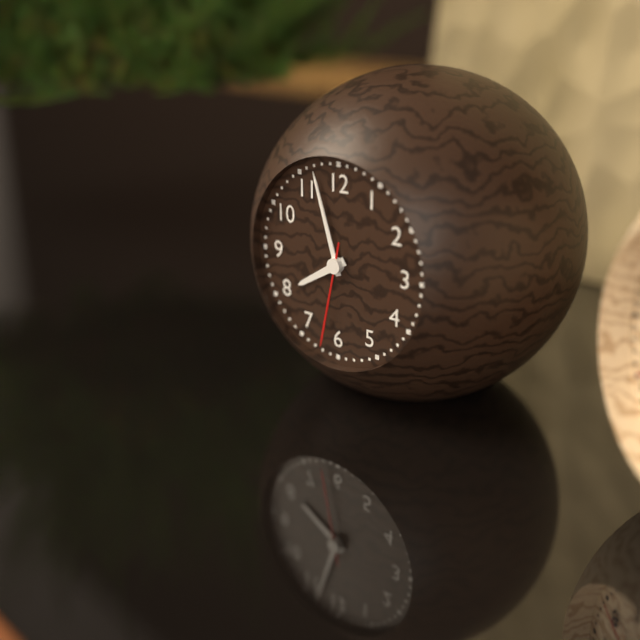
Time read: 7h57m32s
